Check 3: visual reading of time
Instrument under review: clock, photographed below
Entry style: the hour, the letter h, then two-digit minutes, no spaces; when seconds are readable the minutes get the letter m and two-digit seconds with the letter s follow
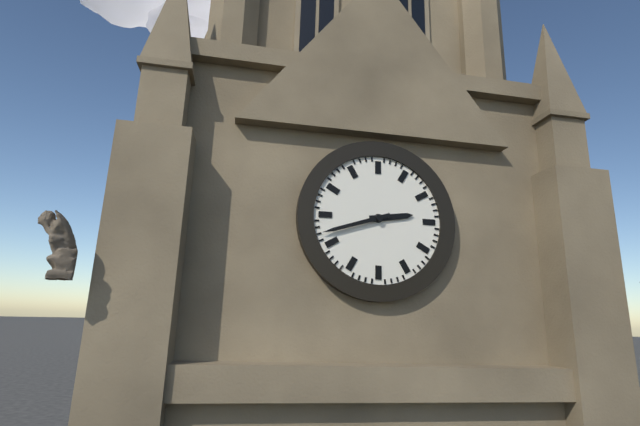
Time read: 2h42
